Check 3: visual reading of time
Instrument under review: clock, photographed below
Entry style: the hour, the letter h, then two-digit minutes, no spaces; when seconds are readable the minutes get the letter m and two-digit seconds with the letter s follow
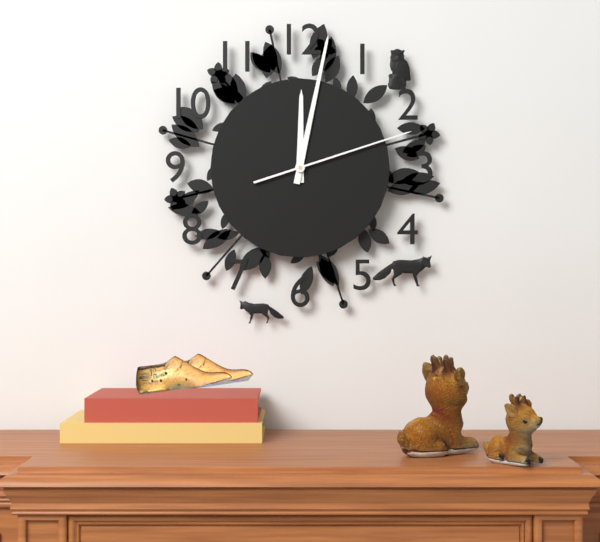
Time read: 12h02m12s
